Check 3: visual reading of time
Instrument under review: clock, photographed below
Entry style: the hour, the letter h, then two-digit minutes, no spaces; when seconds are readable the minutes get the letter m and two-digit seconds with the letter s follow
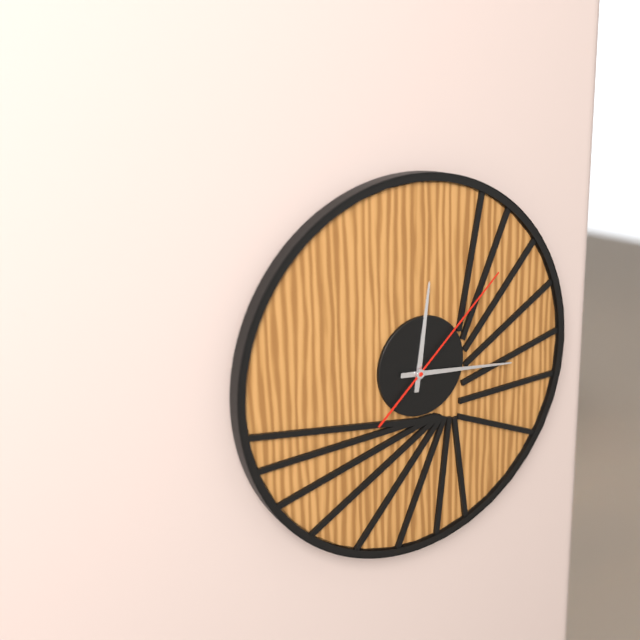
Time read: 12h16m08s
